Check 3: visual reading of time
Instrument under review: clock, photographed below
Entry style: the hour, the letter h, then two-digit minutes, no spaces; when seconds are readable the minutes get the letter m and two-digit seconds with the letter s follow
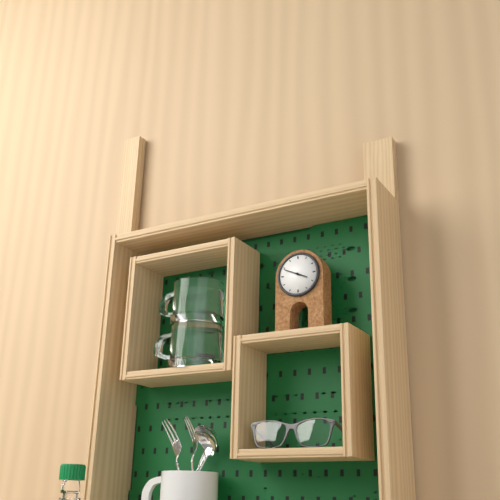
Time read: 3h49
